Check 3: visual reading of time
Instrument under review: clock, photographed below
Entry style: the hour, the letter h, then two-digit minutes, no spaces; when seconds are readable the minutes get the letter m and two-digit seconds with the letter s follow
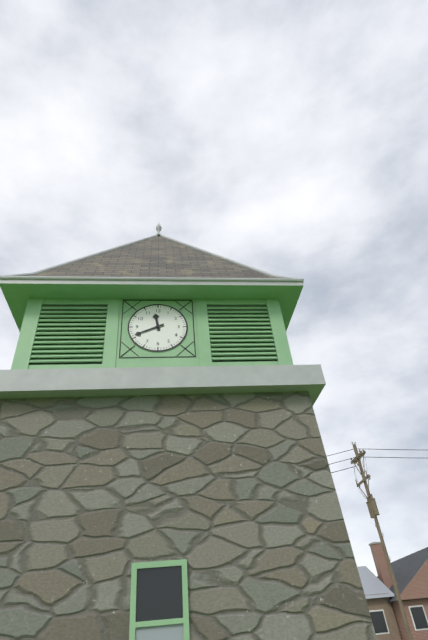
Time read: 11h41
